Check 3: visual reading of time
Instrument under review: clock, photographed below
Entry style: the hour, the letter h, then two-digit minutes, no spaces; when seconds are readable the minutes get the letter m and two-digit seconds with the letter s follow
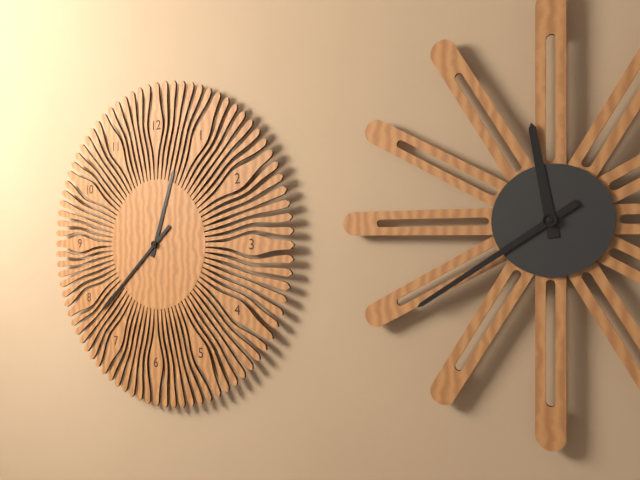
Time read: 12h38
